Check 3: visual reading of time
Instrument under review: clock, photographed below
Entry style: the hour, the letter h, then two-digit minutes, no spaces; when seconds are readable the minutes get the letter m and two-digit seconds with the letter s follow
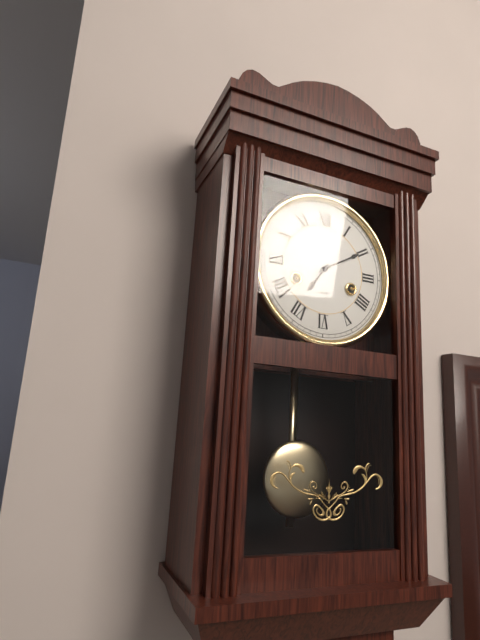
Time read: 7h10
